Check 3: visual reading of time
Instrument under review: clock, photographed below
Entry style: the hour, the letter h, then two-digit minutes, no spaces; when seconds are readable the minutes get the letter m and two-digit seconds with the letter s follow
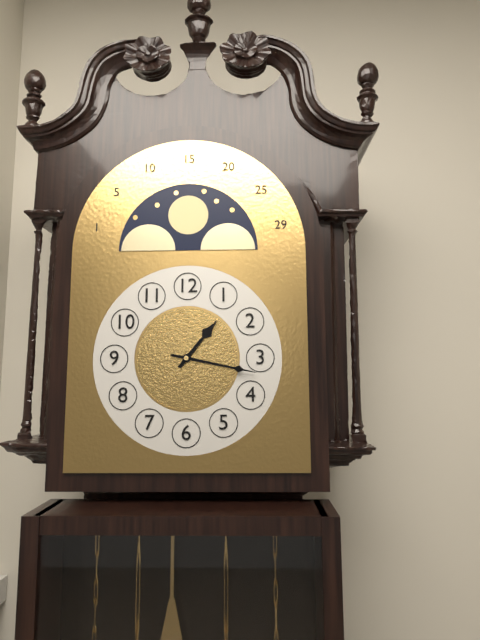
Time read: 1h17
